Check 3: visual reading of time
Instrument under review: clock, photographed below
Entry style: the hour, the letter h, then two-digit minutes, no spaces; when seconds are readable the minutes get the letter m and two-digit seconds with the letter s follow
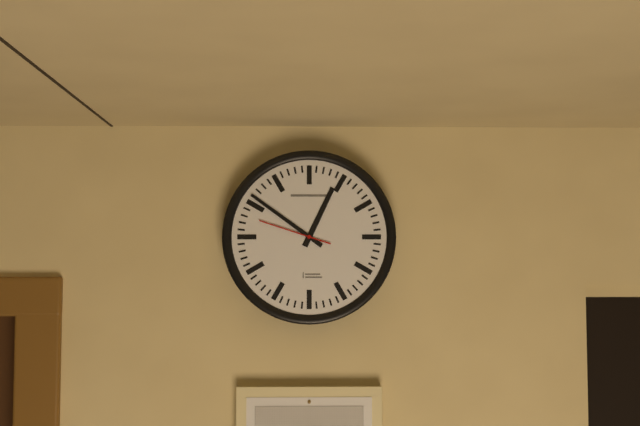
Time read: 12h51m48s
